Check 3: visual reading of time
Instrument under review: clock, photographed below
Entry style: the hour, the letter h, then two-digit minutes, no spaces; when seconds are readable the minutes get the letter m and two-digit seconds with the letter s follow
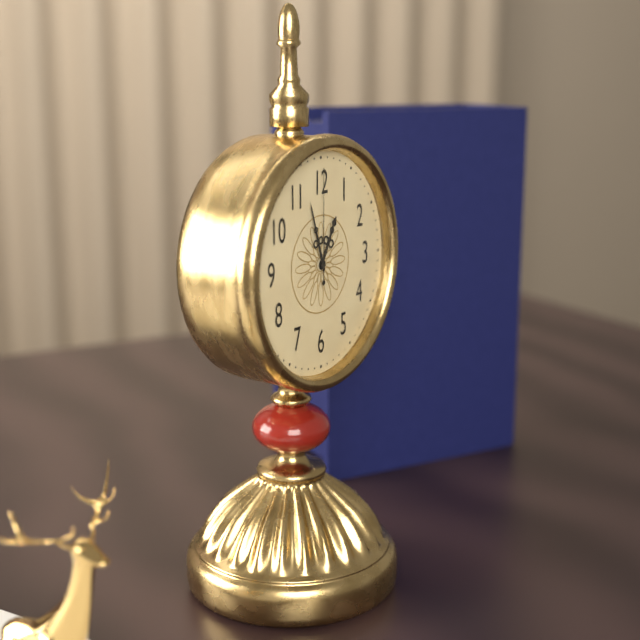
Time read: 12h57m00s
